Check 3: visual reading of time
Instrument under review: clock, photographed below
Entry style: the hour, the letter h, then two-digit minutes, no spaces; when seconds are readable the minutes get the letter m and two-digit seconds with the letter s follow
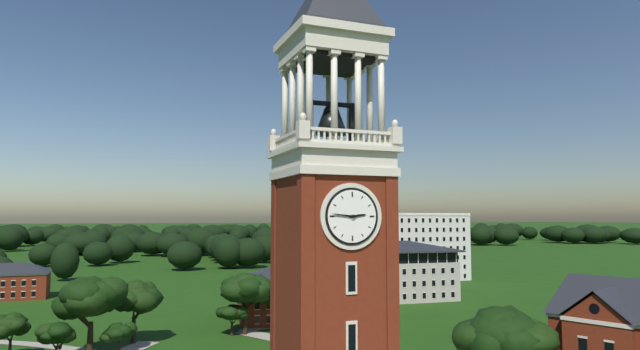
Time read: 2h46
